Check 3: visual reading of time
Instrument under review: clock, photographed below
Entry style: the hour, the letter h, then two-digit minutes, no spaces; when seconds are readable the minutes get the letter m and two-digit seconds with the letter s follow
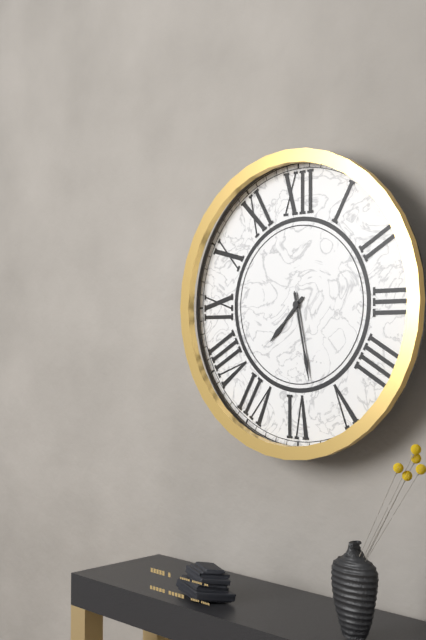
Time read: 7h28
